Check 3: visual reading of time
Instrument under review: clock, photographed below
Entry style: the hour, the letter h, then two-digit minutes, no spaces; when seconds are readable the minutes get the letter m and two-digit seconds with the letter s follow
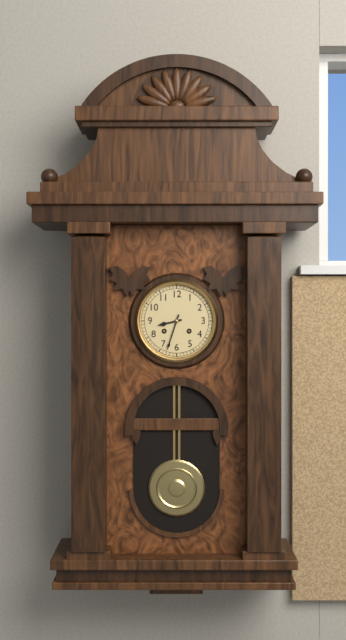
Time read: 8h33
